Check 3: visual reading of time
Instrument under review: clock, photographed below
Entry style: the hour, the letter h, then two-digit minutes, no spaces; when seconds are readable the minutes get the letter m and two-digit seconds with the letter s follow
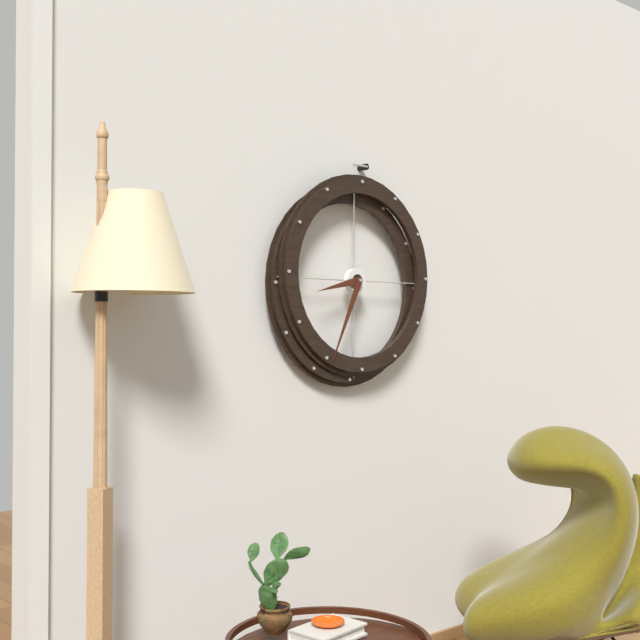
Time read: 8h34
